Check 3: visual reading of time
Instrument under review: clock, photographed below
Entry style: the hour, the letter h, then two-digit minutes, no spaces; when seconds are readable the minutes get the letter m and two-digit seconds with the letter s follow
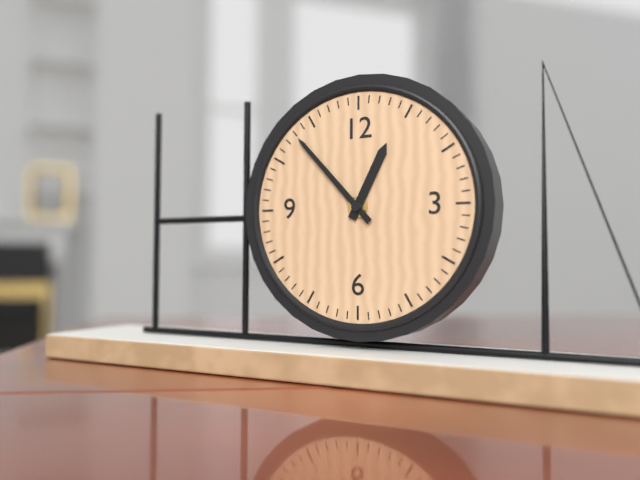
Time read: 12h53
